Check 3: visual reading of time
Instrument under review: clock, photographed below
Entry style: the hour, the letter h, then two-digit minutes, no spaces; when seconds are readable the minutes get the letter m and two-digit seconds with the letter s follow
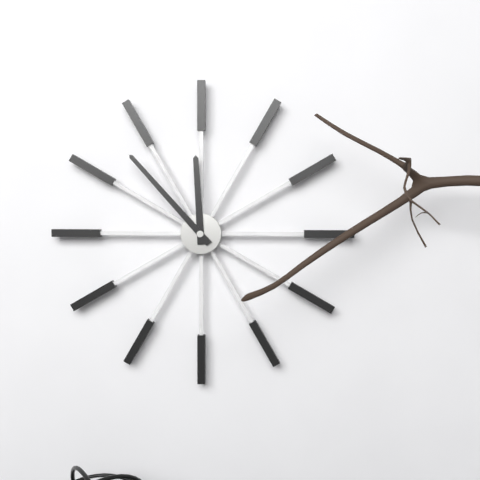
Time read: 11h53
